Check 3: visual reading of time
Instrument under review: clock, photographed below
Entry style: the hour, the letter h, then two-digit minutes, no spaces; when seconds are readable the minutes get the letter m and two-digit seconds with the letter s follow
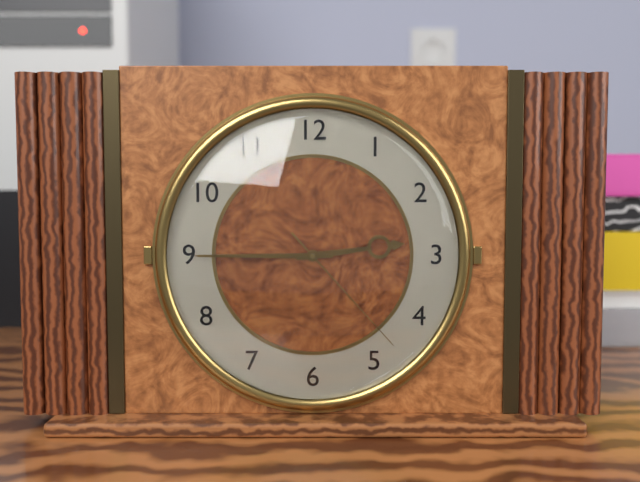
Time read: 2h45m23s
